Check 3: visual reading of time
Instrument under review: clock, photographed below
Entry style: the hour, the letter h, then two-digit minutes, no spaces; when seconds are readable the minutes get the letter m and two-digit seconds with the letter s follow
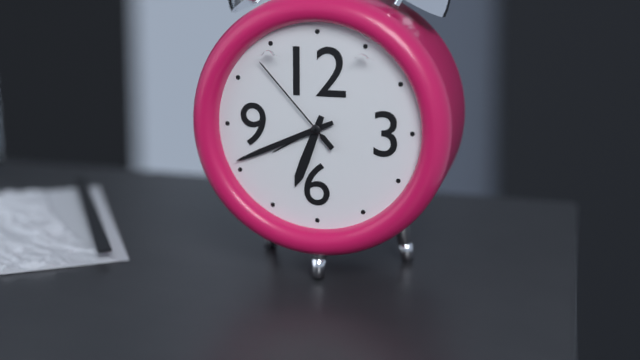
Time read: 6h41m53s
